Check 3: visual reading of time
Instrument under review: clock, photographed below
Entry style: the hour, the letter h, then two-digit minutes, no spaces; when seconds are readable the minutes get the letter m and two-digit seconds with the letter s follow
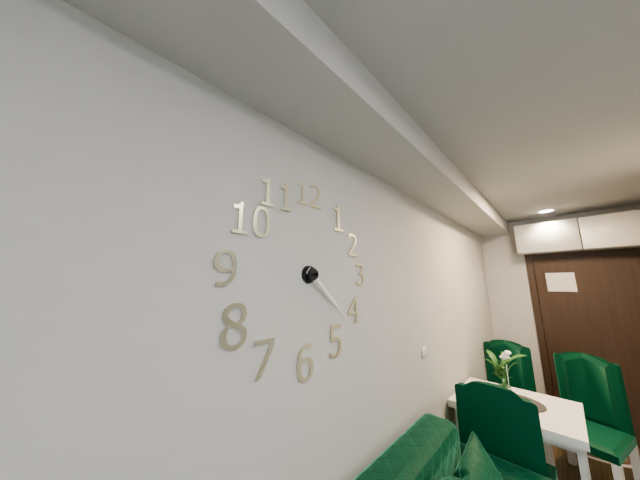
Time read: 4h22
